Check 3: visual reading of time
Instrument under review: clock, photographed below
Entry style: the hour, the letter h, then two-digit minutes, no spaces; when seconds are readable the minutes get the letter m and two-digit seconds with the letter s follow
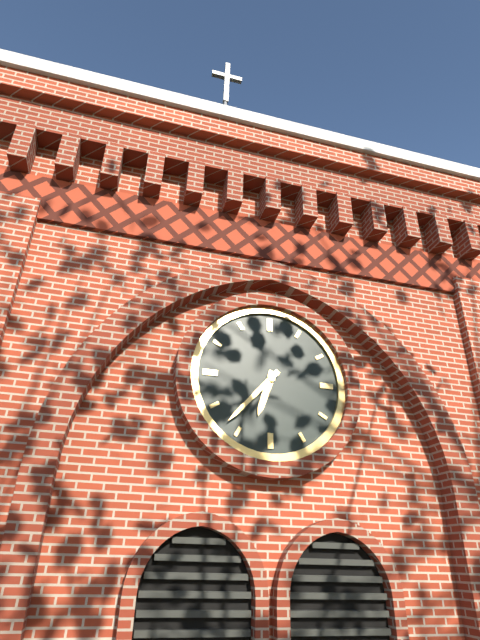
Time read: 6h37
